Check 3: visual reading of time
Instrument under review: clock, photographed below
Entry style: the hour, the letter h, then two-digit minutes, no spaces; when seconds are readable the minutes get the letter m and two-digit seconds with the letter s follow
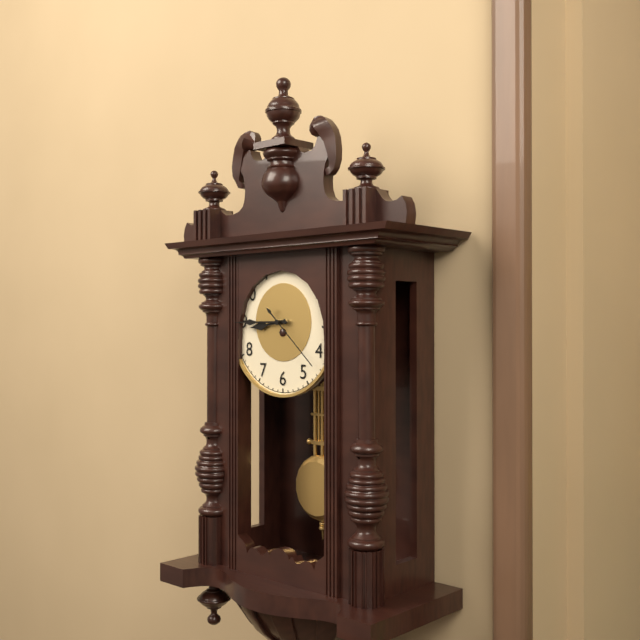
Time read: 8h45m22s
